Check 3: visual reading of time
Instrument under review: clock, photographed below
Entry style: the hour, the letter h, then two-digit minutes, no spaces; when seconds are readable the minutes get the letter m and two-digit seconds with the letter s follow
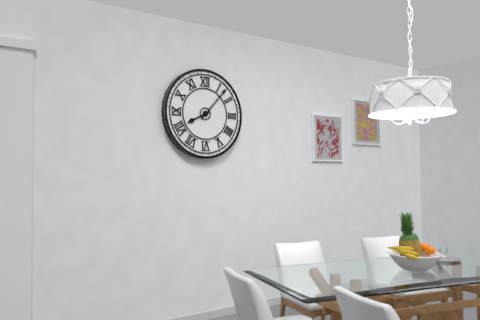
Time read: 8h07
